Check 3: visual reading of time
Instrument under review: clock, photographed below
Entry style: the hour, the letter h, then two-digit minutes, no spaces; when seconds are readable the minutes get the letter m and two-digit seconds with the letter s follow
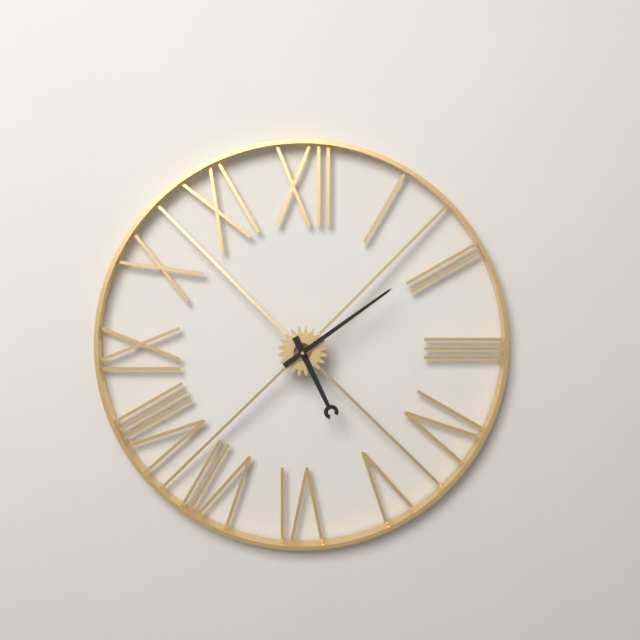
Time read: 5h09
